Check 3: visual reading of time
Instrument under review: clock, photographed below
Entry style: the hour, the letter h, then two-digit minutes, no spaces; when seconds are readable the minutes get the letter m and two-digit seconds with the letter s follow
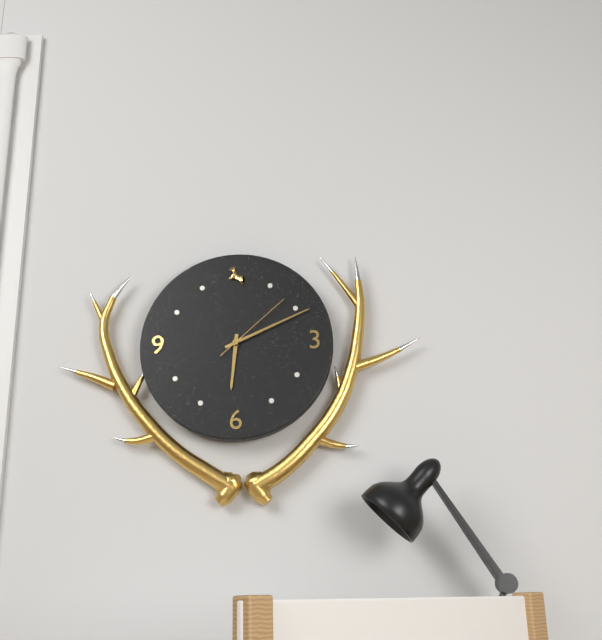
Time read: 6h11m08s
